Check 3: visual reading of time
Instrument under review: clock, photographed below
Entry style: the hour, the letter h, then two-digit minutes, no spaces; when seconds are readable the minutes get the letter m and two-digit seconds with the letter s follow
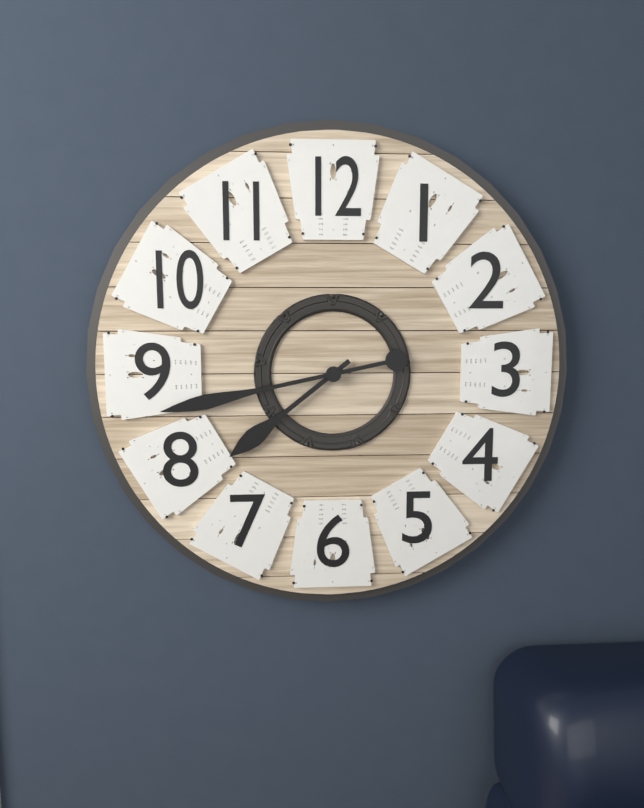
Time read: 7h43
